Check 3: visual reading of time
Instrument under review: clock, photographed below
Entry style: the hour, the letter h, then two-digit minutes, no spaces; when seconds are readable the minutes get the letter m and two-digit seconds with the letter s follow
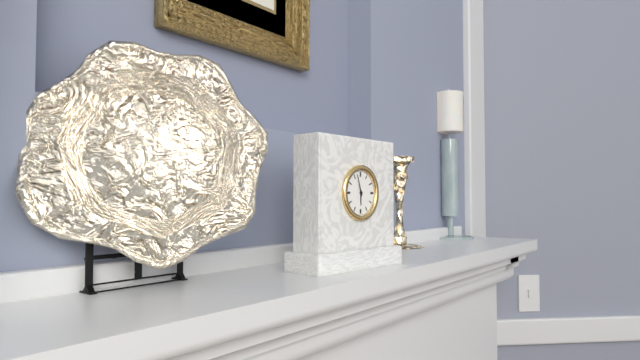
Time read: 5h57
